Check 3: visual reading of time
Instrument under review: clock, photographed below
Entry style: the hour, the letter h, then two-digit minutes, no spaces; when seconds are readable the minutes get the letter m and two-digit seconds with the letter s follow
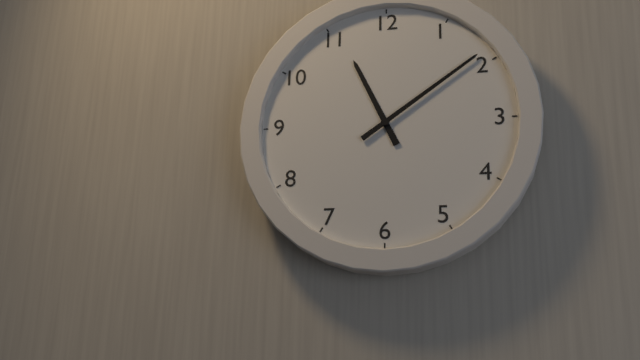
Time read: 11h09
